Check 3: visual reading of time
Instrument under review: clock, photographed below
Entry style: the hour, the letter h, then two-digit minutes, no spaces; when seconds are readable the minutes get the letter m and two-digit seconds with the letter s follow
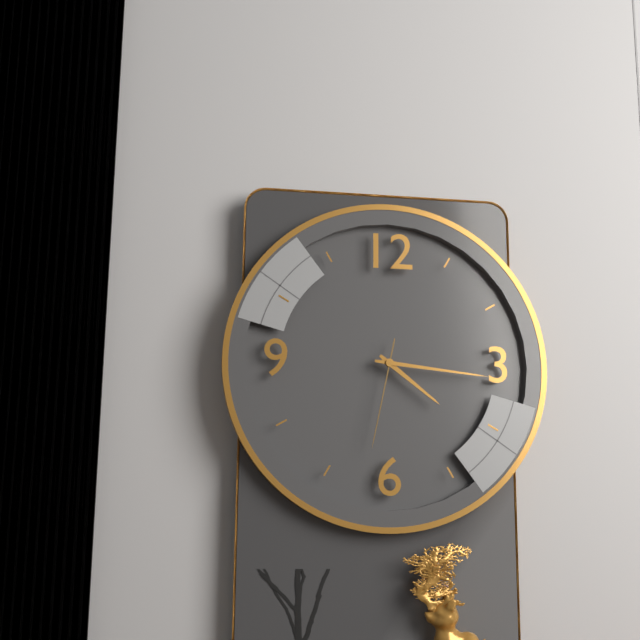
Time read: 4h16m32s
